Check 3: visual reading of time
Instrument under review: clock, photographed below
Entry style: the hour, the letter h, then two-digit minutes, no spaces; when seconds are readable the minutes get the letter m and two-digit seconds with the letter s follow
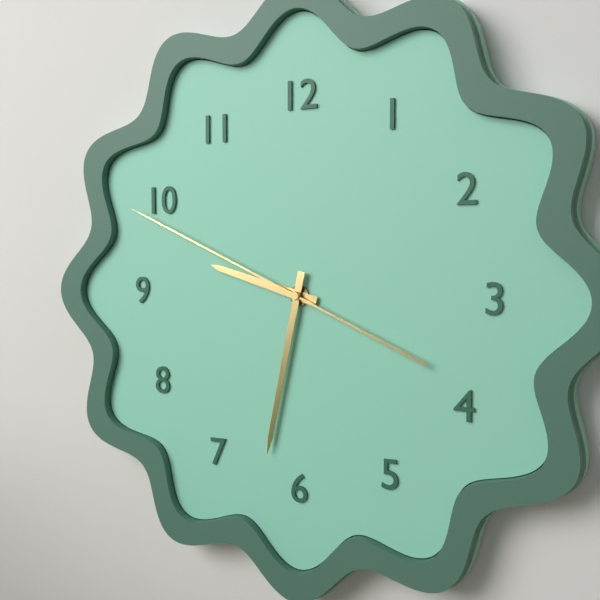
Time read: 9h32m49s
